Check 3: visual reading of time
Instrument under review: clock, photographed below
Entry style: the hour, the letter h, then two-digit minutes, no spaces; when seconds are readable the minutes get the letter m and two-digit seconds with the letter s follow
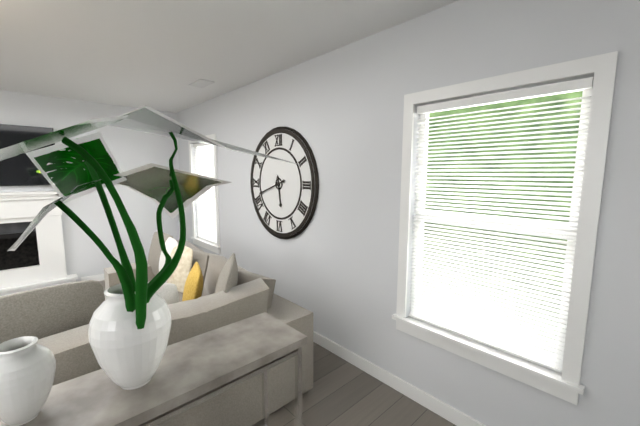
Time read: 5h42
